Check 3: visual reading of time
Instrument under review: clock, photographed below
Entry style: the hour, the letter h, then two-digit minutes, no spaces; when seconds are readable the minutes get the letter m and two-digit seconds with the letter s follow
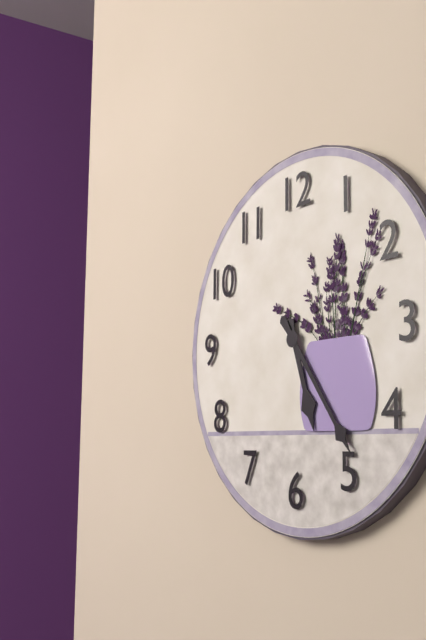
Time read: 5h24
